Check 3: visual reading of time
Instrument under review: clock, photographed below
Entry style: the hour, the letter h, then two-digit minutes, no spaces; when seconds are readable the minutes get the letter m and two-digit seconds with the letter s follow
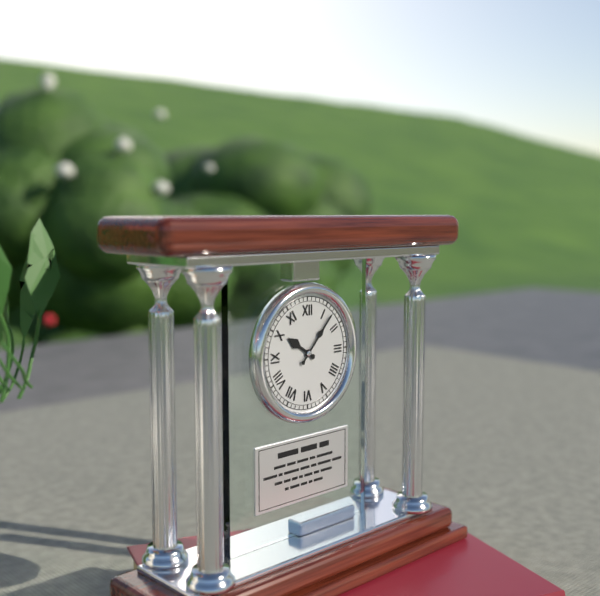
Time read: 10h07
